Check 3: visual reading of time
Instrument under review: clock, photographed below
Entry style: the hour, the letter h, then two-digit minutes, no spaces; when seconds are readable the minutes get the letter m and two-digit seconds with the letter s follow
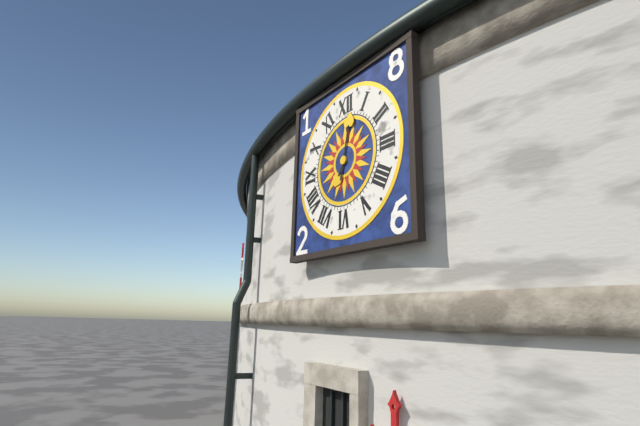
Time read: 7h02
